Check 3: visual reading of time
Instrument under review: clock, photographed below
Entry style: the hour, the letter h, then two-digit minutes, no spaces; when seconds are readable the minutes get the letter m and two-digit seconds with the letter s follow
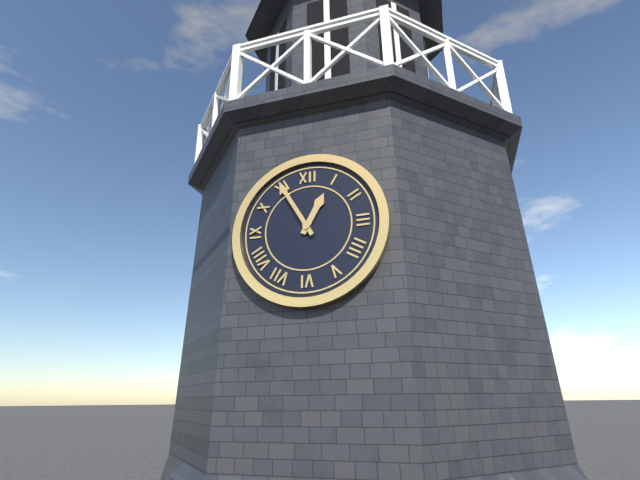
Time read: 12h55
